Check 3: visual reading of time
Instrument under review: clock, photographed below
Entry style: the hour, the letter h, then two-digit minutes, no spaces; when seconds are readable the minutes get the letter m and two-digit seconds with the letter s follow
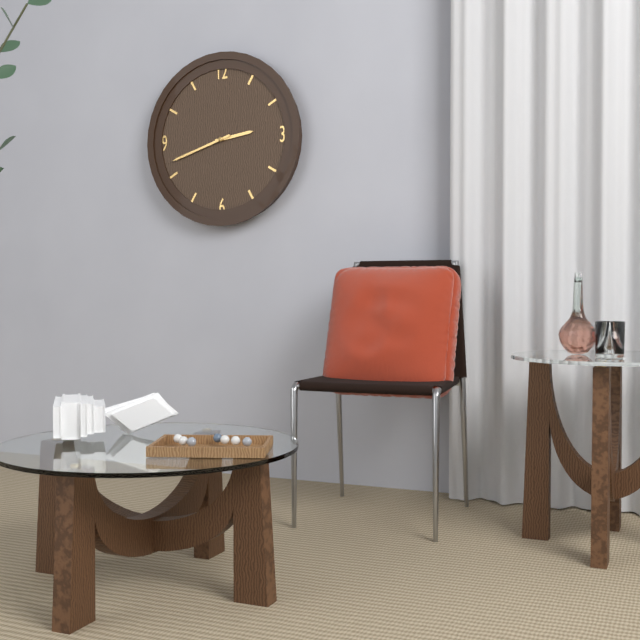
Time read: 2h42
